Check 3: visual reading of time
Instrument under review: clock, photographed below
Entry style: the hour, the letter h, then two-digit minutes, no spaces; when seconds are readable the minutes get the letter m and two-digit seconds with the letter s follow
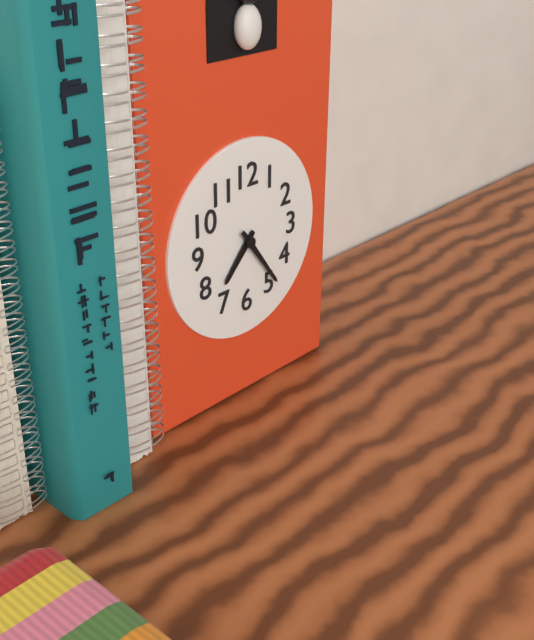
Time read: 7h24
